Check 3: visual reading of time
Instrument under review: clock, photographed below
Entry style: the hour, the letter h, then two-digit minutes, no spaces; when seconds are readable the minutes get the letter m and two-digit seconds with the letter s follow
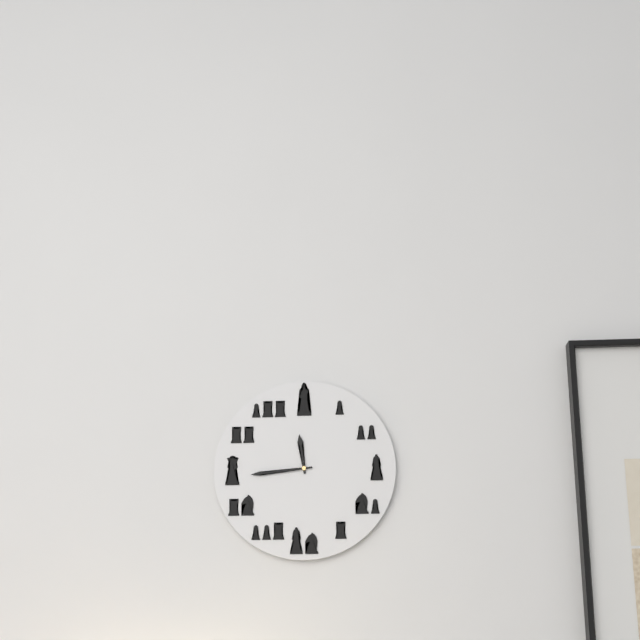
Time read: 11h44
